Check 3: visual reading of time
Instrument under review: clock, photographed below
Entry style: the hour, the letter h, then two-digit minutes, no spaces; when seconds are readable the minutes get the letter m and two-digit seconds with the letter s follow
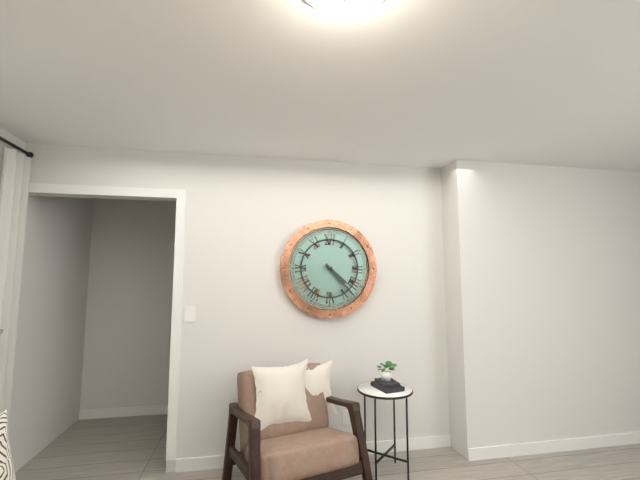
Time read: 4h23
